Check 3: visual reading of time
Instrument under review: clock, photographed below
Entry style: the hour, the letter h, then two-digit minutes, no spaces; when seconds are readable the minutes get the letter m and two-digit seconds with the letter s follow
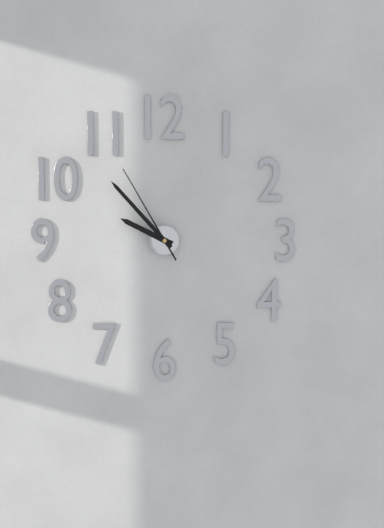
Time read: 9h53m55s
